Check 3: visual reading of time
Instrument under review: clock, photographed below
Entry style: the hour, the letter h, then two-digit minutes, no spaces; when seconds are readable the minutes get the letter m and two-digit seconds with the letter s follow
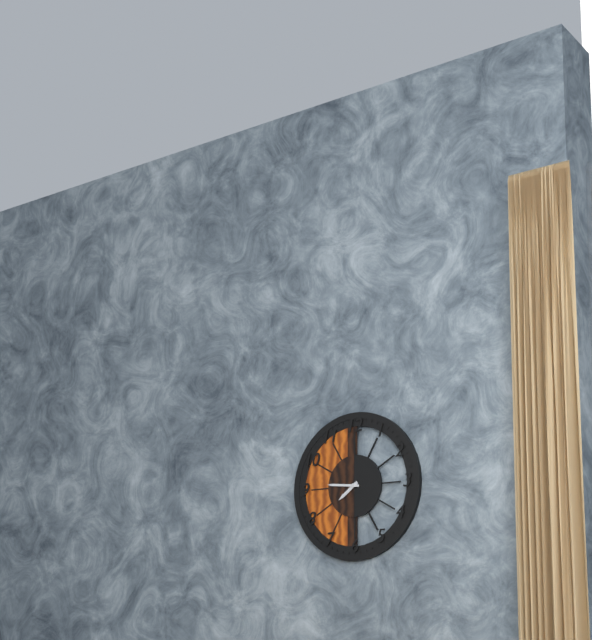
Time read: 7h46
